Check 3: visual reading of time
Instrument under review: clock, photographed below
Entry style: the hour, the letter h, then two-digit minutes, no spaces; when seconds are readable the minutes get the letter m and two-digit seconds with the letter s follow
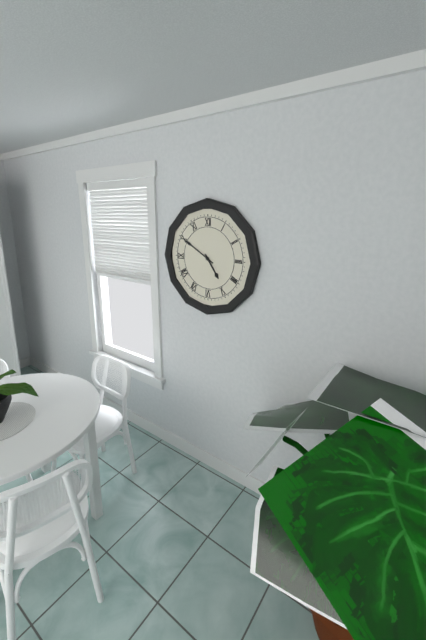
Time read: 4h50
